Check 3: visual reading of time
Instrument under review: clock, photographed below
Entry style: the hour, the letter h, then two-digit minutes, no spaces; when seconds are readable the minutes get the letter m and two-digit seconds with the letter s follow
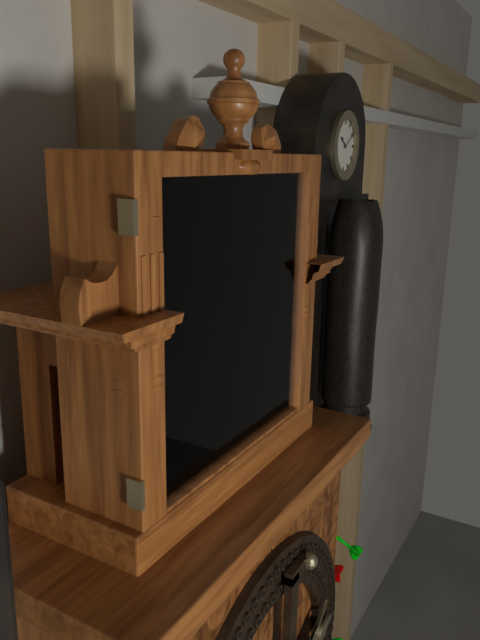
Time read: 9h12
